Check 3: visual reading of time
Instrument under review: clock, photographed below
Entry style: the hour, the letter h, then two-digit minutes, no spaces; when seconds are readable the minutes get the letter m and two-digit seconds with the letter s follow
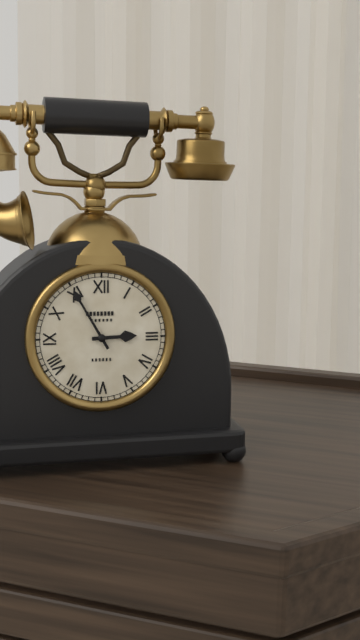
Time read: 2h55
